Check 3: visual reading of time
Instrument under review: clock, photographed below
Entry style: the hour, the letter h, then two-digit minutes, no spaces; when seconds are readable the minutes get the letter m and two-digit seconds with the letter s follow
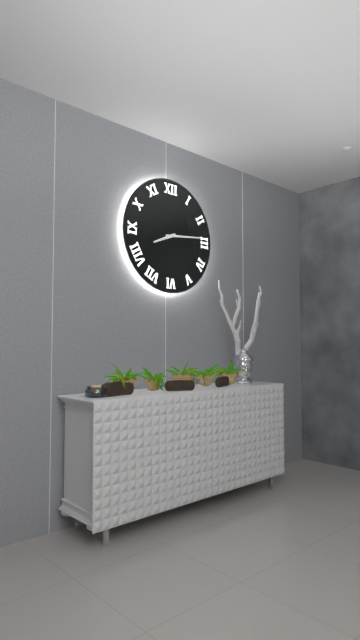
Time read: 8h14
